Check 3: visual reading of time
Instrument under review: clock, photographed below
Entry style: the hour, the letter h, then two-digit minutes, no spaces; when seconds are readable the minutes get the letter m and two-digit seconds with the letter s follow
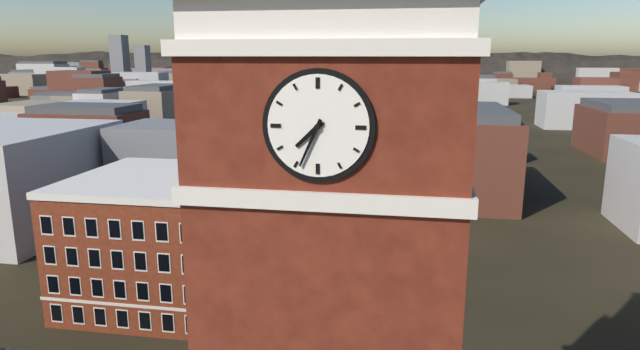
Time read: 7h34
